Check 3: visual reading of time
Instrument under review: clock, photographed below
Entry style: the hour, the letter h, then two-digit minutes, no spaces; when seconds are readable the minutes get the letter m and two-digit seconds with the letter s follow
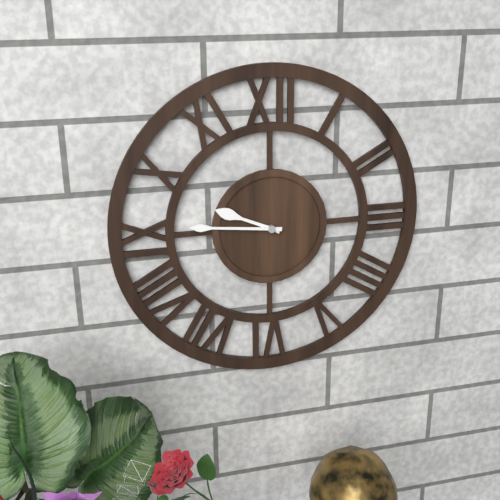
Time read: 9h46
